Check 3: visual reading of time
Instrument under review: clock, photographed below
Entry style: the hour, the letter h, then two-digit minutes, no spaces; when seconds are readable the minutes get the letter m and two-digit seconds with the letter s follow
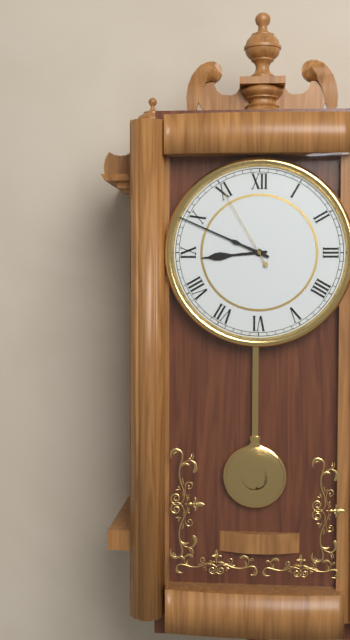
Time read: 8h49m55s
